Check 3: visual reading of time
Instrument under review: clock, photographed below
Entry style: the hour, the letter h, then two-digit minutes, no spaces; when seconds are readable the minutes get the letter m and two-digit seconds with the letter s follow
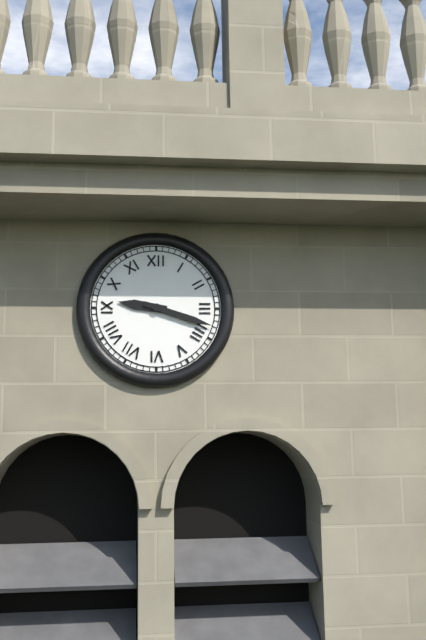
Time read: 9h18
